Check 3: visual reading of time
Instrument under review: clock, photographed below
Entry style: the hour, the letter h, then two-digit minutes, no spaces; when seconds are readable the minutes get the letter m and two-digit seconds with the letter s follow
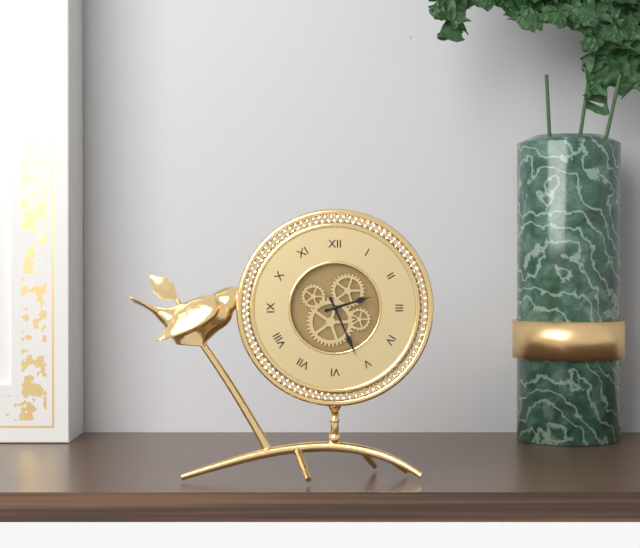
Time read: 2h26
